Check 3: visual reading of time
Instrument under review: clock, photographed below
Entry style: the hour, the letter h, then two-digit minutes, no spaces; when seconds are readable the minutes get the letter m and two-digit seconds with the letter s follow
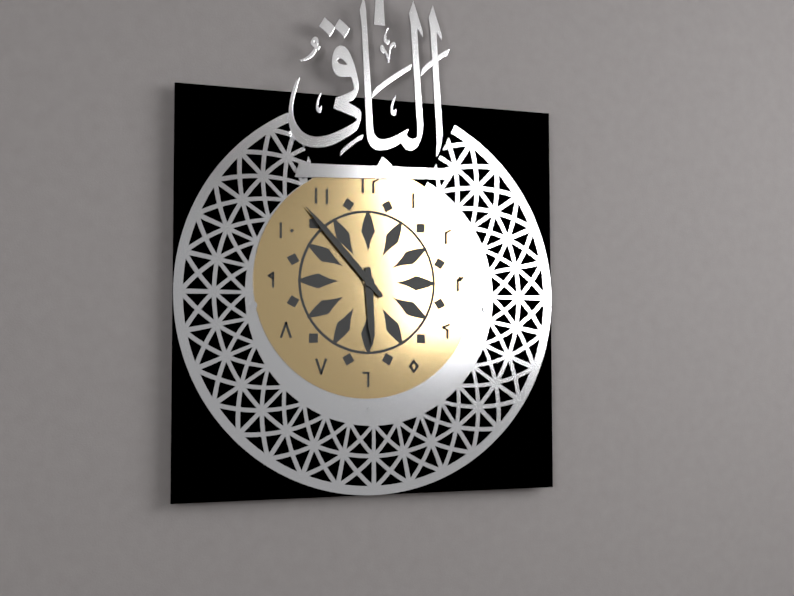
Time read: 5h53
